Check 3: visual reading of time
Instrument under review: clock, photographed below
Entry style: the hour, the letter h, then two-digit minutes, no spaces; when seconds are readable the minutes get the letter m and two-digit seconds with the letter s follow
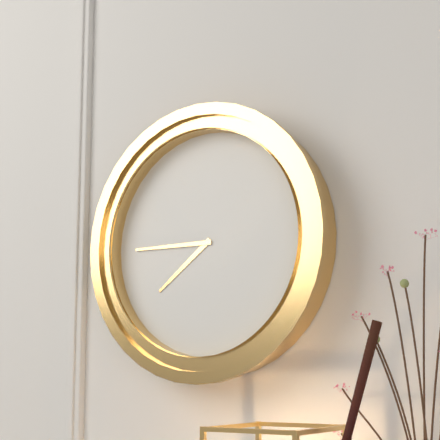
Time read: 7h45
